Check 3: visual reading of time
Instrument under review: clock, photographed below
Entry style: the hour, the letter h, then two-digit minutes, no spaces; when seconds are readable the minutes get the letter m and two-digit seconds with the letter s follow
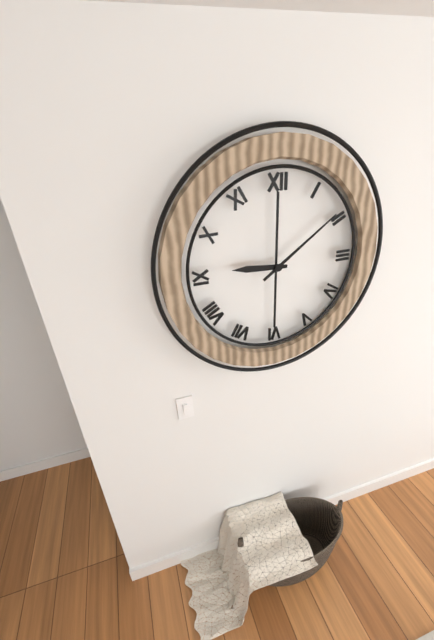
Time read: 9h09
